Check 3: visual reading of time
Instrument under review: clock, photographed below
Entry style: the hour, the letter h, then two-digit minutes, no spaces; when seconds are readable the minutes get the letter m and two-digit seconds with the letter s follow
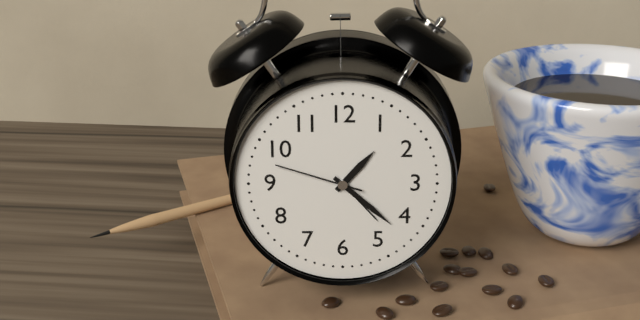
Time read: 1h22m48s
